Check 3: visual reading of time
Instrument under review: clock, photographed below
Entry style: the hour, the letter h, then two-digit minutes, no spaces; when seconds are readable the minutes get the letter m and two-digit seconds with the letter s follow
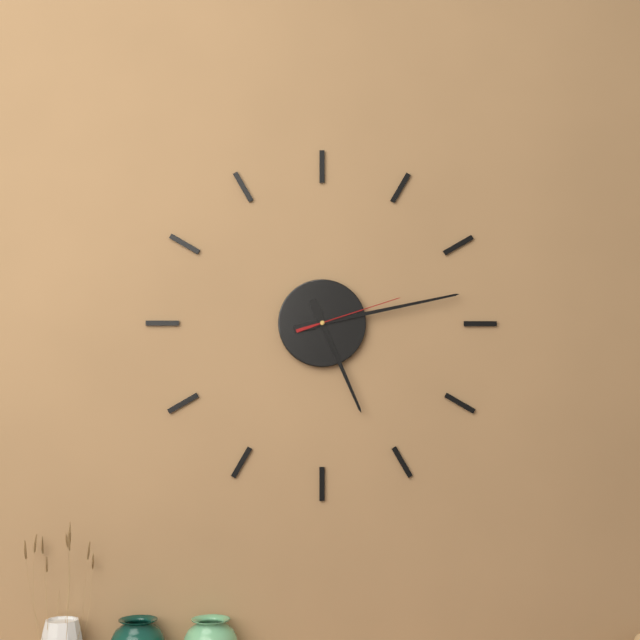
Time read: 5h13m12s
